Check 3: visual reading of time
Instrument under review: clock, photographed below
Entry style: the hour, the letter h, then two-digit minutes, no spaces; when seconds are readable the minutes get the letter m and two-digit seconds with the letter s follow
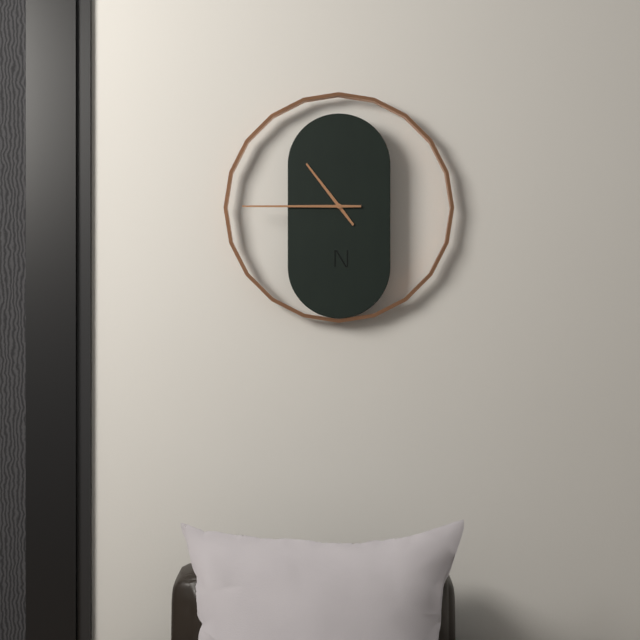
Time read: 10h45
